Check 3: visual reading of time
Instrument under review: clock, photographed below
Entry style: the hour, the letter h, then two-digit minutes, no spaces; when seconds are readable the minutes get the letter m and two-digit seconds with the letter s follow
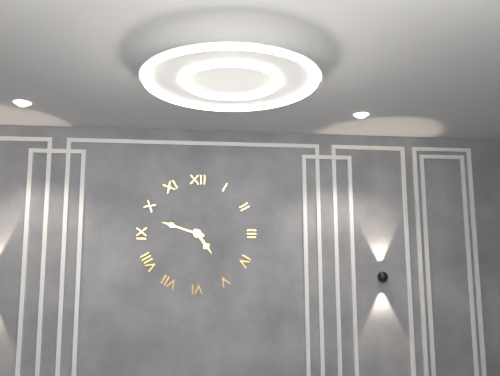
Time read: 4h48
